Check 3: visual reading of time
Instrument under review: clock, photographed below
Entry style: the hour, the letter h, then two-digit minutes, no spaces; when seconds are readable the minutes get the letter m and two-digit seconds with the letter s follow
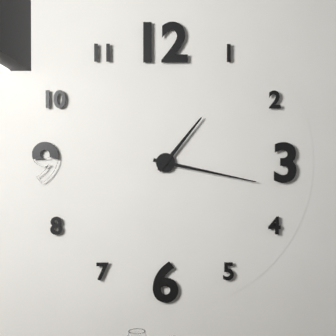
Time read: 1h17
